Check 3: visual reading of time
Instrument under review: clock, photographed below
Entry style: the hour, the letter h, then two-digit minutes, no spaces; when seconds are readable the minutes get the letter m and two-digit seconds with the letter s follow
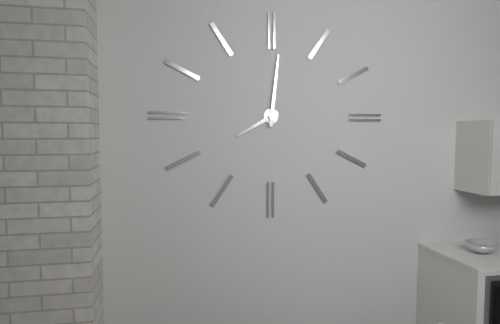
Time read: 8h01
